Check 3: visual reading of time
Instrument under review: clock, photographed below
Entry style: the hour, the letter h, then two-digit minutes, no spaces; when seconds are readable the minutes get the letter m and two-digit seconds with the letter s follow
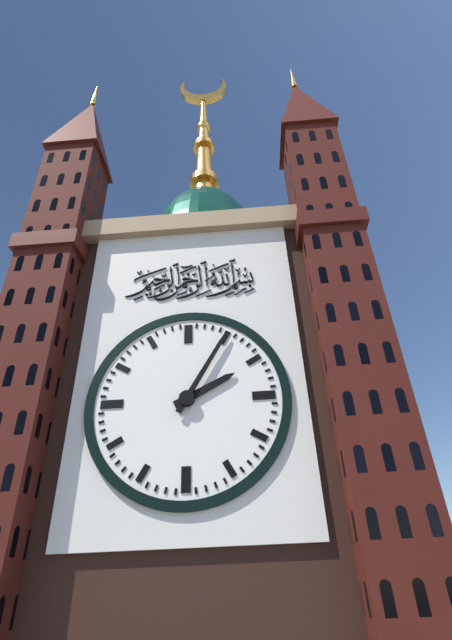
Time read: 2h05
